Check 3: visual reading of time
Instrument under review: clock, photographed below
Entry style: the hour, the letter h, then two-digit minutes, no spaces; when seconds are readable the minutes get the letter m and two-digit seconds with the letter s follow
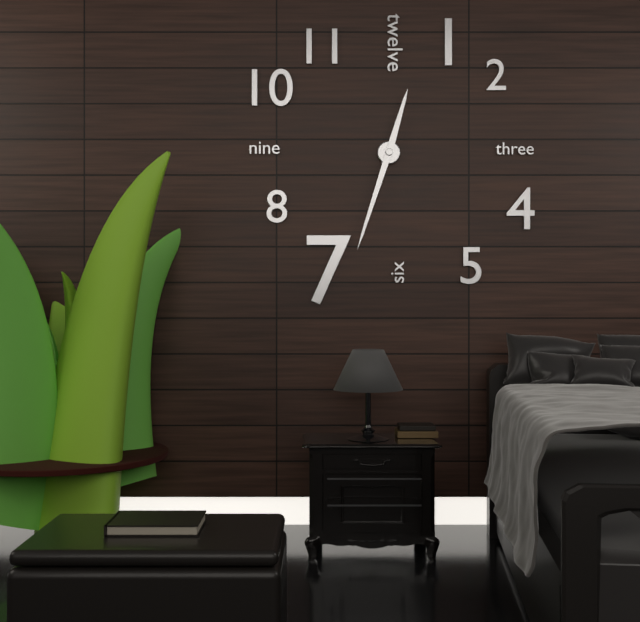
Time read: 12h33
